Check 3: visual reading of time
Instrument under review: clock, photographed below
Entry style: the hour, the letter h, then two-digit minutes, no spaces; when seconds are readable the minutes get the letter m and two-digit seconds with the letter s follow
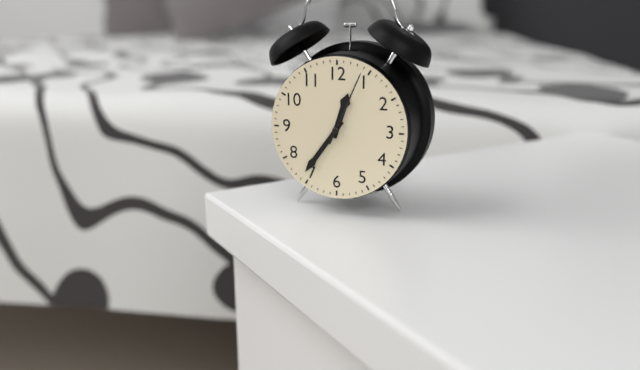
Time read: 12h36m04s
